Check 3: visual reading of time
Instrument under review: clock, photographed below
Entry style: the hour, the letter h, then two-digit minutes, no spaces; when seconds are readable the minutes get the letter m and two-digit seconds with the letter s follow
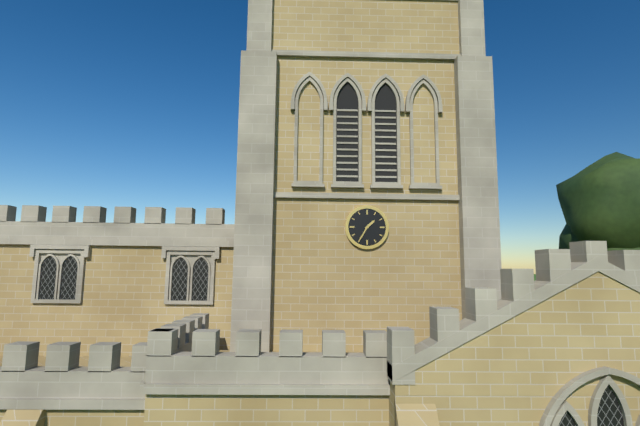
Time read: 1h35
